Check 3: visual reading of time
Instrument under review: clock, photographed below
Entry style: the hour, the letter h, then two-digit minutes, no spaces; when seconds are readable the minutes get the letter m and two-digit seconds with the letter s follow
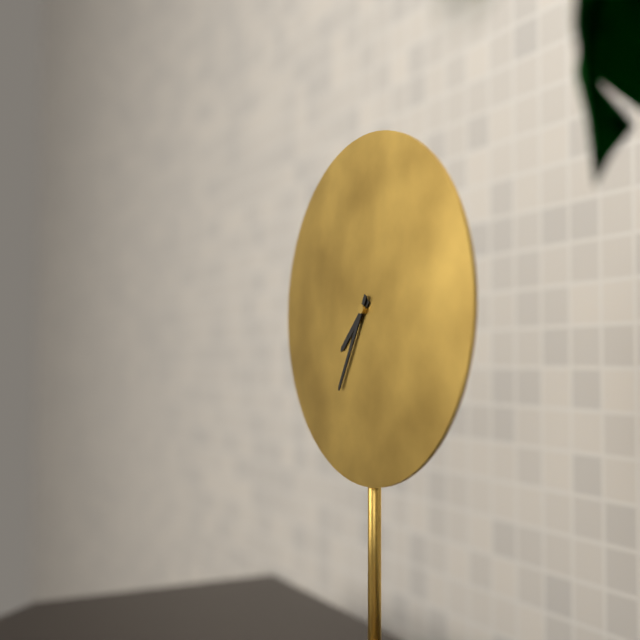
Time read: 7h35
